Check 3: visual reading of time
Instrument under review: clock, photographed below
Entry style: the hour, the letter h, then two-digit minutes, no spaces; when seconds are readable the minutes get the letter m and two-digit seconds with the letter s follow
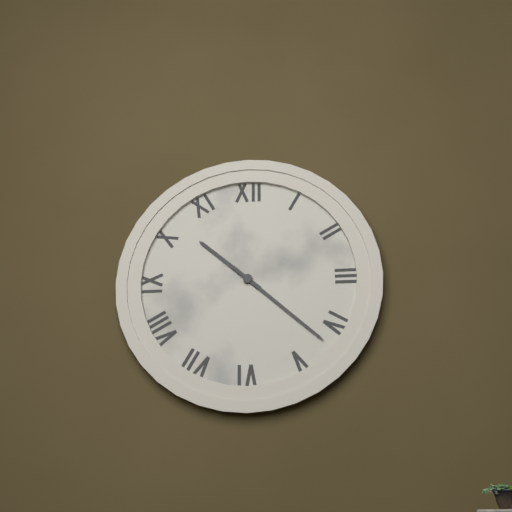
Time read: 10h22
